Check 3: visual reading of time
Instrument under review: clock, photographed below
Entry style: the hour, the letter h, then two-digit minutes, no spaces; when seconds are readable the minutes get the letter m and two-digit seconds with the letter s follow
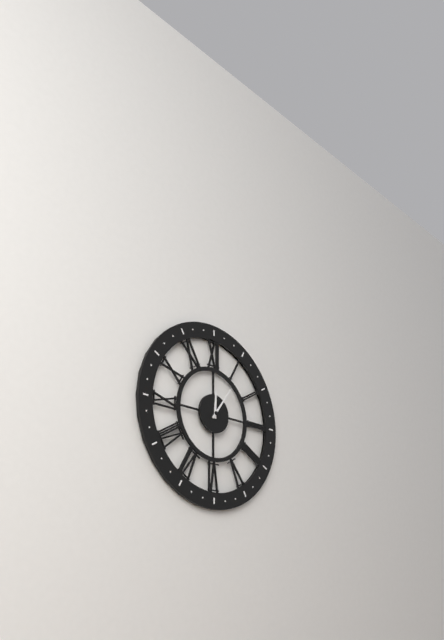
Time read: 12h06
